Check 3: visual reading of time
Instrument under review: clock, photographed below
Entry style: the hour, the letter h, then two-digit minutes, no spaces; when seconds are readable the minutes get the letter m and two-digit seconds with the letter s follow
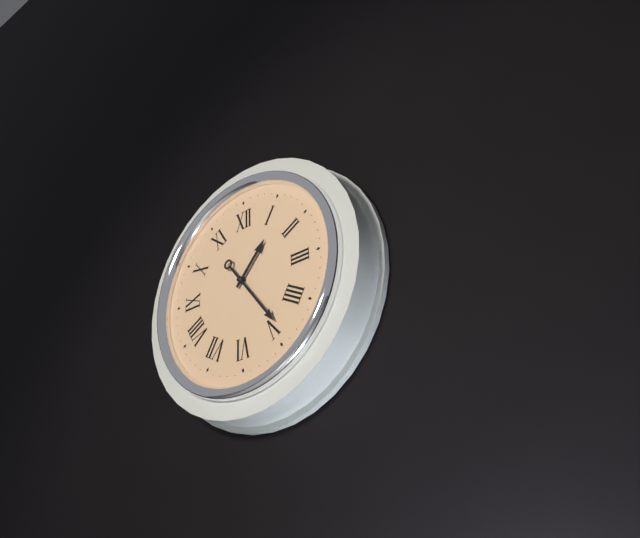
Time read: 1h24
